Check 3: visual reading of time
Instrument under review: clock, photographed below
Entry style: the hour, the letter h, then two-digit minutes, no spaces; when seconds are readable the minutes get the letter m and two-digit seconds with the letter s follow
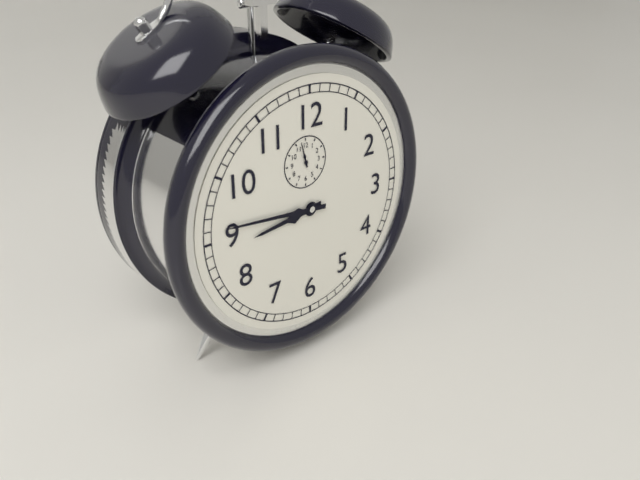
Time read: 8h46
